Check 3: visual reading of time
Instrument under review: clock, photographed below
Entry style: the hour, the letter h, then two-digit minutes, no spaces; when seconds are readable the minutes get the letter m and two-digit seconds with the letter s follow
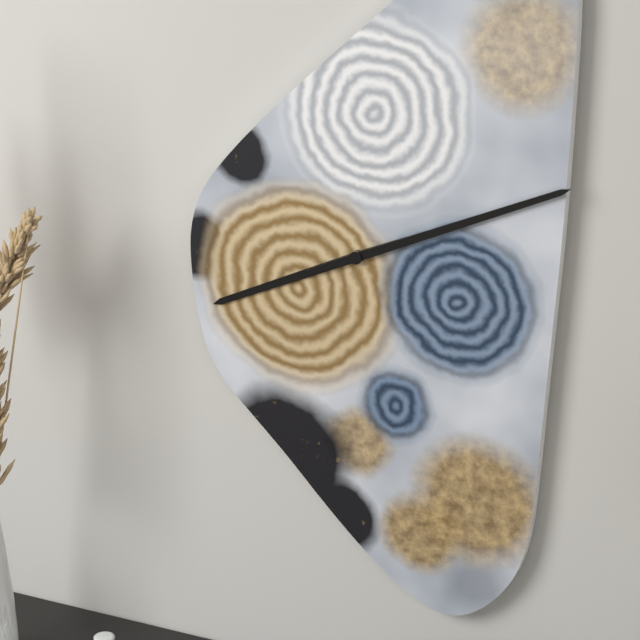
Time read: 8h11
